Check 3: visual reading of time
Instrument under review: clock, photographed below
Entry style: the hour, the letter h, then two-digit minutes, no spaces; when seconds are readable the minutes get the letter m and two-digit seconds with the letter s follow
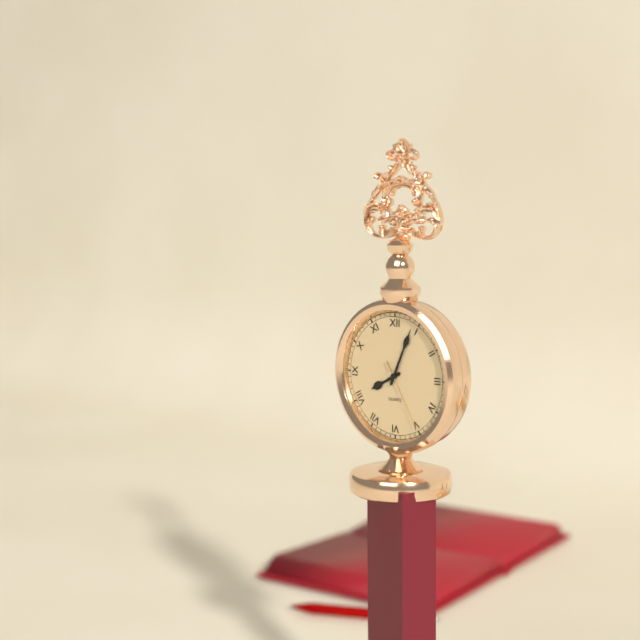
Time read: 8h04m25s
